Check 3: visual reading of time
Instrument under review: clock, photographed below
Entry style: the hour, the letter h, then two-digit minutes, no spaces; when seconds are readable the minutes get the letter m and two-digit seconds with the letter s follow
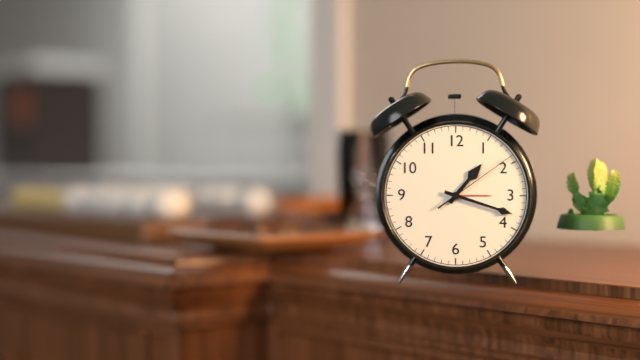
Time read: 1h18m09s
